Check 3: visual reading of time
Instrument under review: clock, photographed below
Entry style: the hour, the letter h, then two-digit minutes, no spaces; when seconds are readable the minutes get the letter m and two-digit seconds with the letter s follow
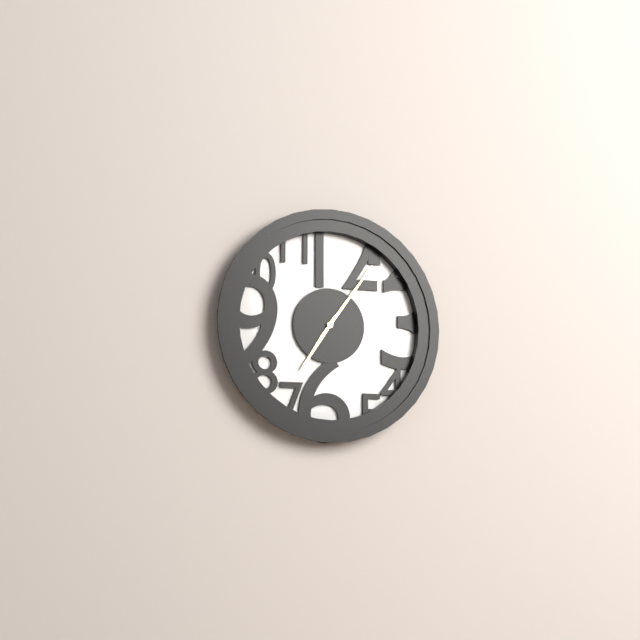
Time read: 7h06
